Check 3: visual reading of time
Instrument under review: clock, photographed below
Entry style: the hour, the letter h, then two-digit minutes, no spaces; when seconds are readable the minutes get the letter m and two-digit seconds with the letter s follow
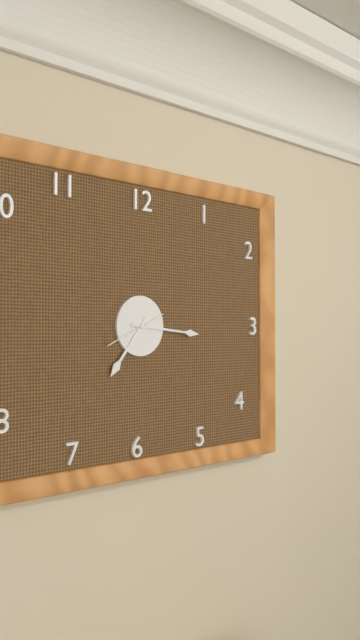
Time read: 7h16m41s
